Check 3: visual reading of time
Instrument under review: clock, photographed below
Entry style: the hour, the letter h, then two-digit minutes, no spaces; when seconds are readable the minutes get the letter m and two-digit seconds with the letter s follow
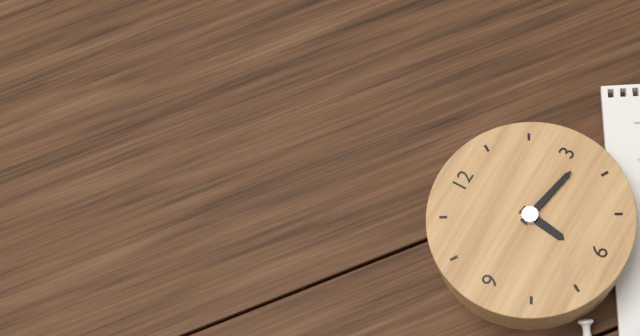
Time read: 6h17
